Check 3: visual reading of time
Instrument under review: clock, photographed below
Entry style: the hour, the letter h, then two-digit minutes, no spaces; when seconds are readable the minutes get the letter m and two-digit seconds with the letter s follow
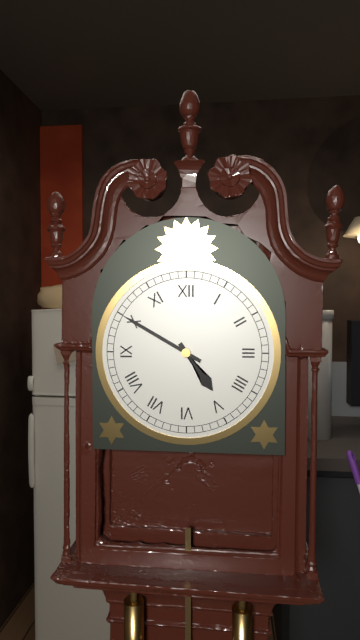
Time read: 4h50
